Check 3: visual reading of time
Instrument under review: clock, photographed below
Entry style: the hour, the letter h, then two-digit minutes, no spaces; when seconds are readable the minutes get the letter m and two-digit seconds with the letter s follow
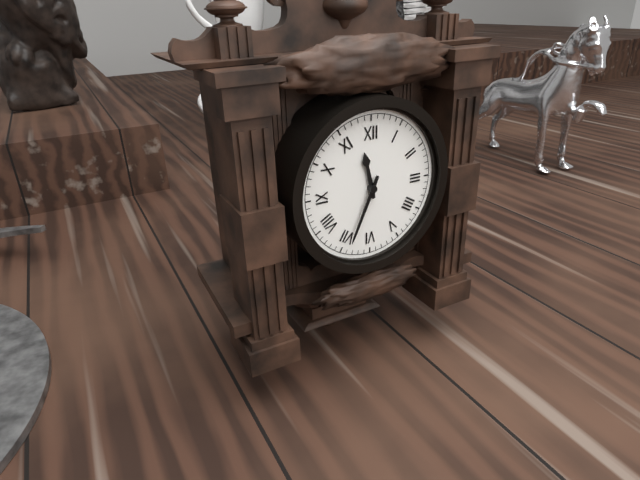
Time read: 11h34
